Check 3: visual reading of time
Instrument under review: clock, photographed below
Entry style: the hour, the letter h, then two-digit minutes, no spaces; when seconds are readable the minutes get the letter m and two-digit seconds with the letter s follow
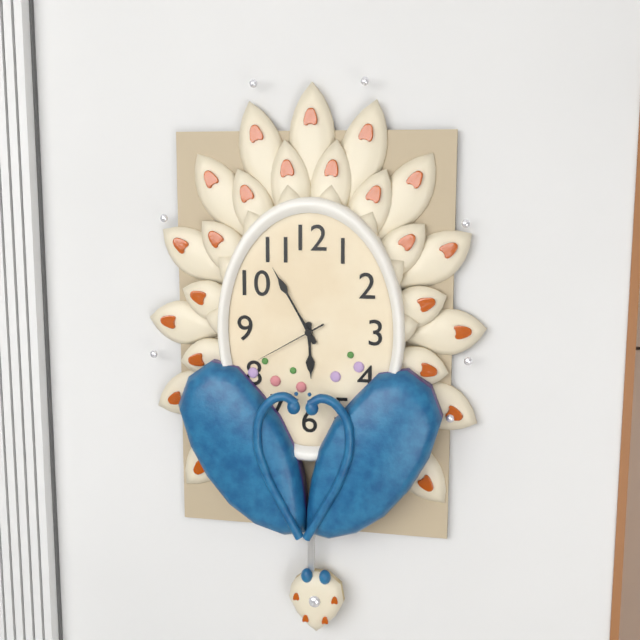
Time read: 5h55m40s
